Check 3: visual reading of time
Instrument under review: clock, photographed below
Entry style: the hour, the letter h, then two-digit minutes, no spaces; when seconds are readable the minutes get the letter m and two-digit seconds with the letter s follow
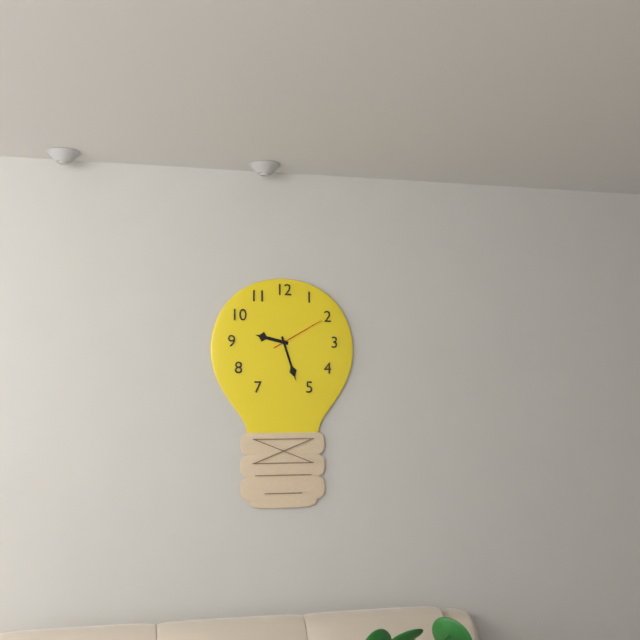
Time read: 9h27m10s
